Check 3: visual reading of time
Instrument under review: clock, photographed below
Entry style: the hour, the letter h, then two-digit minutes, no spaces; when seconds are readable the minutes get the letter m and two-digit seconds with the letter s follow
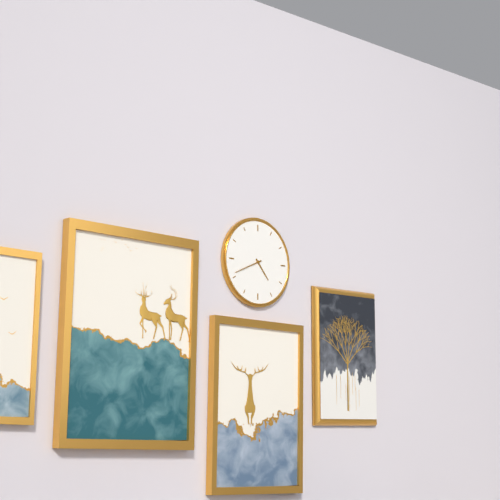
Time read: 4h41
